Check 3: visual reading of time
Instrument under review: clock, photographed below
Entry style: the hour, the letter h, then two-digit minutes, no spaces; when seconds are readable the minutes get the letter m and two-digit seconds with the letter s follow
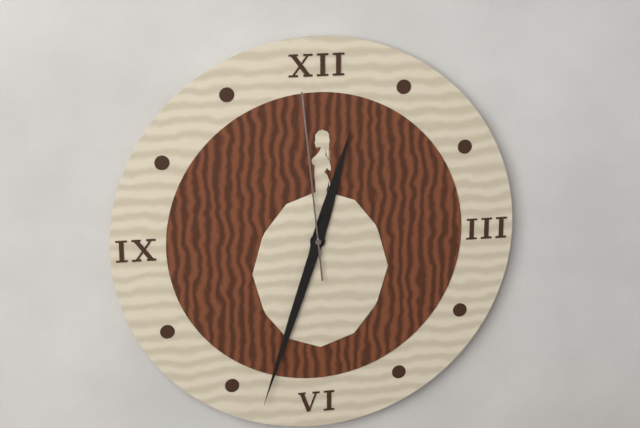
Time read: 12h33m59s
